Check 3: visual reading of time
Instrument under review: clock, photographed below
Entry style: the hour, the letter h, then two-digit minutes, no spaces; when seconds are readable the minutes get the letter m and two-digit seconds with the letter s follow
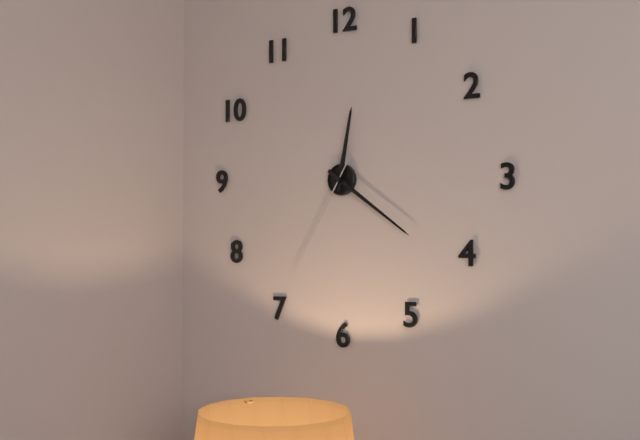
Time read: 12h21m35s
